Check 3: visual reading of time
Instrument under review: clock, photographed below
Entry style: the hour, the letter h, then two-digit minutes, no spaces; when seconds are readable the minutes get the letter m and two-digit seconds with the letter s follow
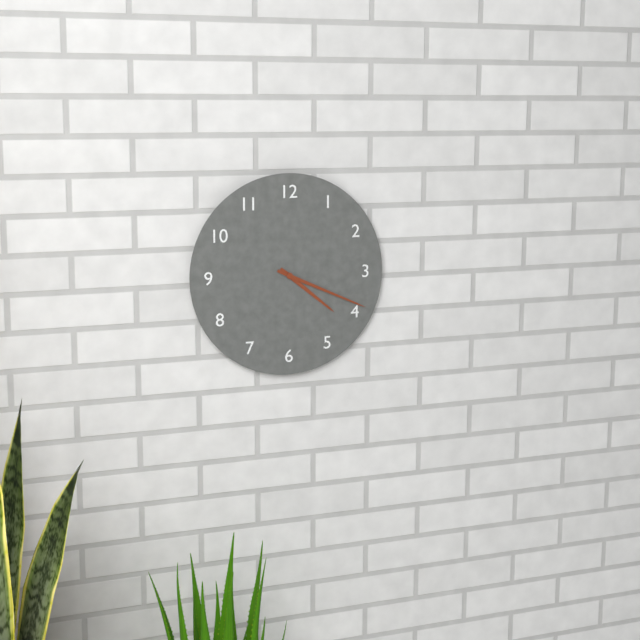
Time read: 4h19
